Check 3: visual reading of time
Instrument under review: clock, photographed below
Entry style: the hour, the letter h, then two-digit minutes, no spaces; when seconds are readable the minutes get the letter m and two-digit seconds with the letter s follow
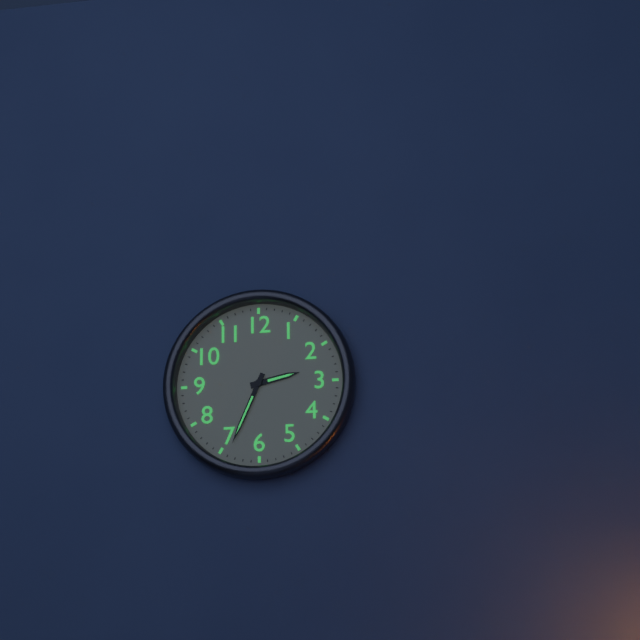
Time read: 2h34
